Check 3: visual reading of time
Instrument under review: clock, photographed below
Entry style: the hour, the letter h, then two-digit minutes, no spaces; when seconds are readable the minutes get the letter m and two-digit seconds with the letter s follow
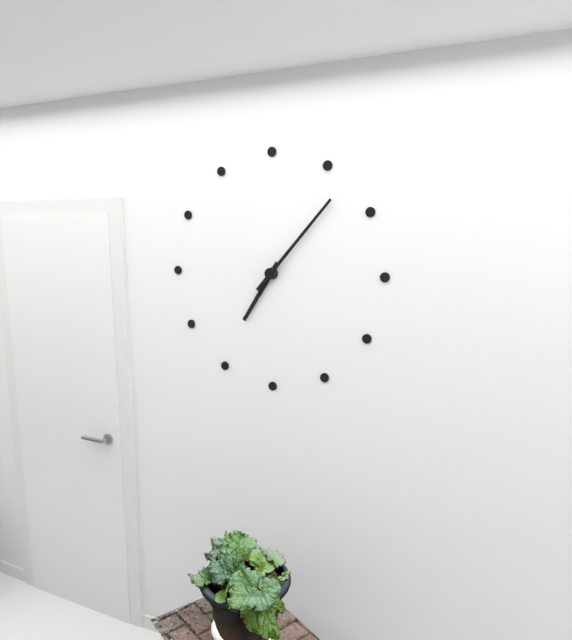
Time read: 7h07
